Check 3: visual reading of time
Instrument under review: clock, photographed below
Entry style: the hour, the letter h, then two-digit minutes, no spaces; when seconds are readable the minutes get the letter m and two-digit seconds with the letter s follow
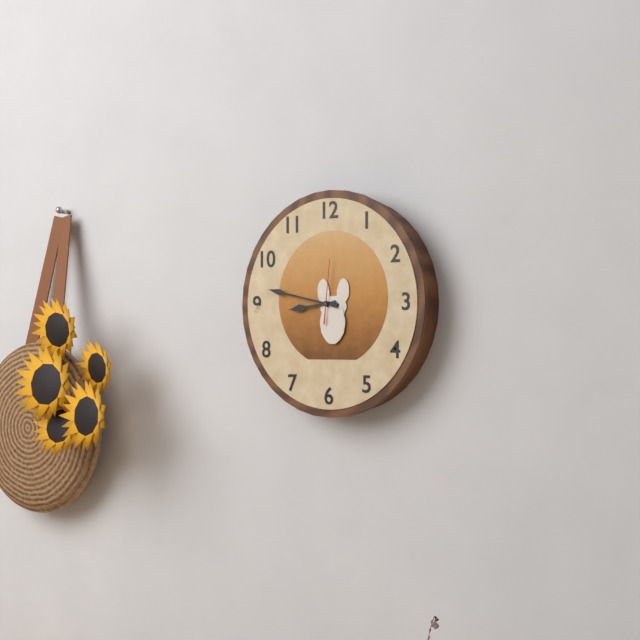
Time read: 8h47m01s
